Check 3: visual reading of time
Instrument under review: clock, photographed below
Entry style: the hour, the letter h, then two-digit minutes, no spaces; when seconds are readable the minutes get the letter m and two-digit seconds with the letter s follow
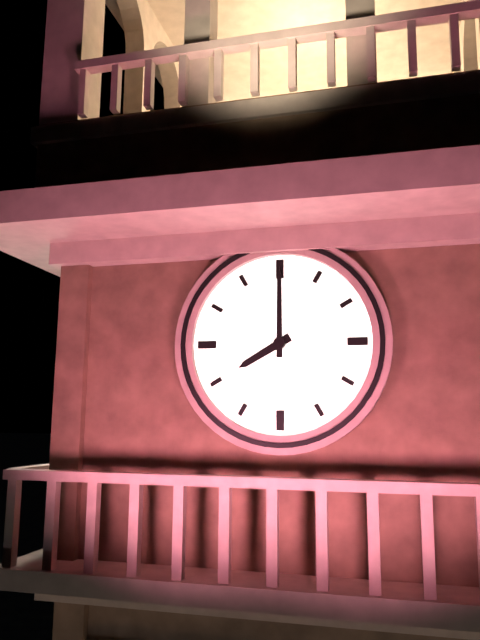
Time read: 8h00
